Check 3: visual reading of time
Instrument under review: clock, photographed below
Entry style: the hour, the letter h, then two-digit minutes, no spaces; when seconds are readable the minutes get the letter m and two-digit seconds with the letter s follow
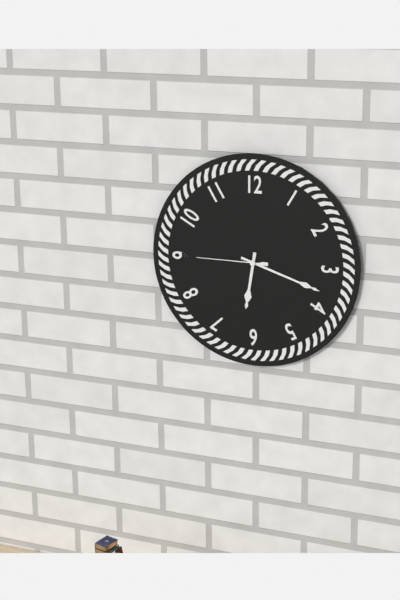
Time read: 6h18m45s
